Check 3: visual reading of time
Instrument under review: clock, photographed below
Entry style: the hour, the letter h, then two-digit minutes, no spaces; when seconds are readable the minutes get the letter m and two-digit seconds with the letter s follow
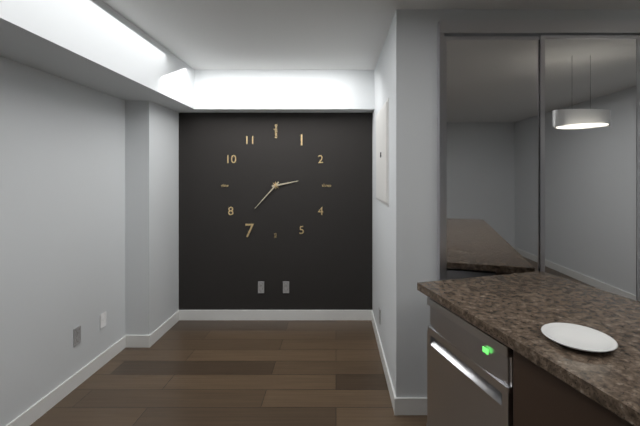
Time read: 2h37
